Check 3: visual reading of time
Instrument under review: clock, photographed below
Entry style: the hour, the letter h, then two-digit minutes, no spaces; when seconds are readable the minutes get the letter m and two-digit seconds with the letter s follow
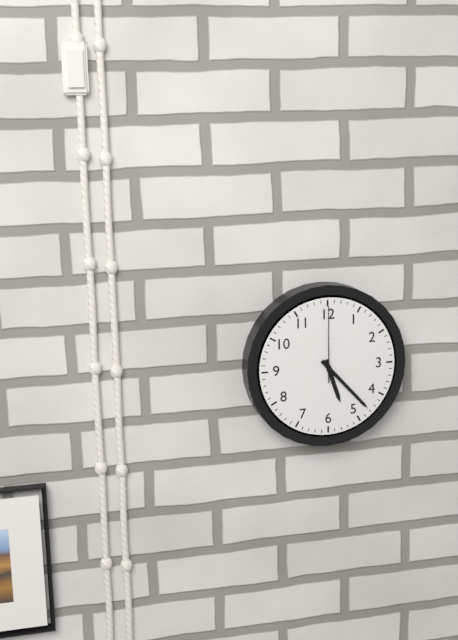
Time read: 5h23m00s
